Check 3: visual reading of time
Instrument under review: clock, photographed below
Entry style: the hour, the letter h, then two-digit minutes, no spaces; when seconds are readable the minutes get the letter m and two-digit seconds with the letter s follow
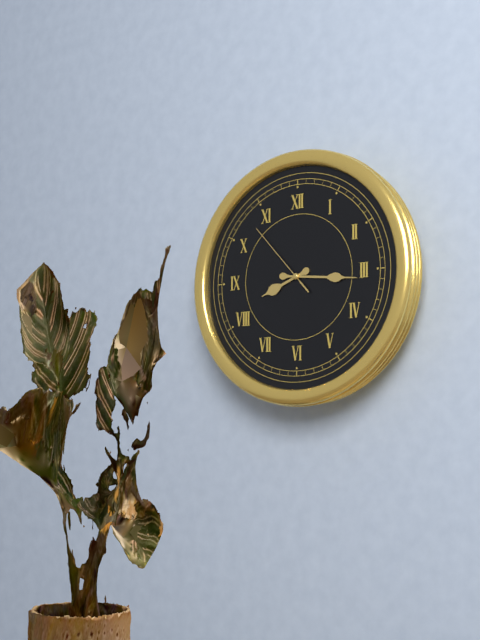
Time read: 8h16m53s
